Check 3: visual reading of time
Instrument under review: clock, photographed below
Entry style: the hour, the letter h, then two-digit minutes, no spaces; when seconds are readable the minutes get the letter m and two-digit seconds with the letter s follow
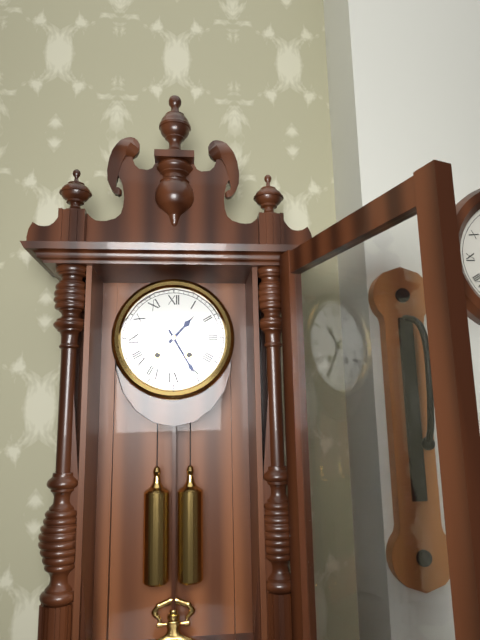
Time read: 1h25
